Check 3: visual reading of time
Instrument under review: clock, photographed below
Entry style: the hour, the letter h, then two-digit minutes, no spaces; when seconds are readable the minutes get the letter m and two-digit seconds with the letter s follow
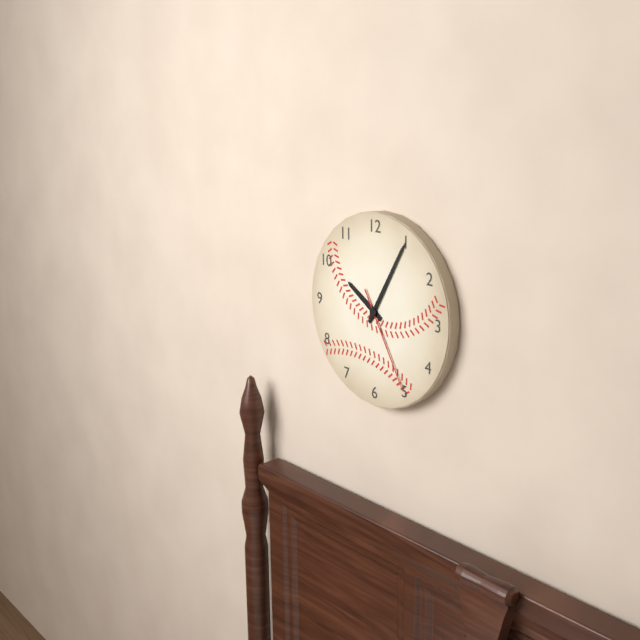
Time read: 10h05m25s
